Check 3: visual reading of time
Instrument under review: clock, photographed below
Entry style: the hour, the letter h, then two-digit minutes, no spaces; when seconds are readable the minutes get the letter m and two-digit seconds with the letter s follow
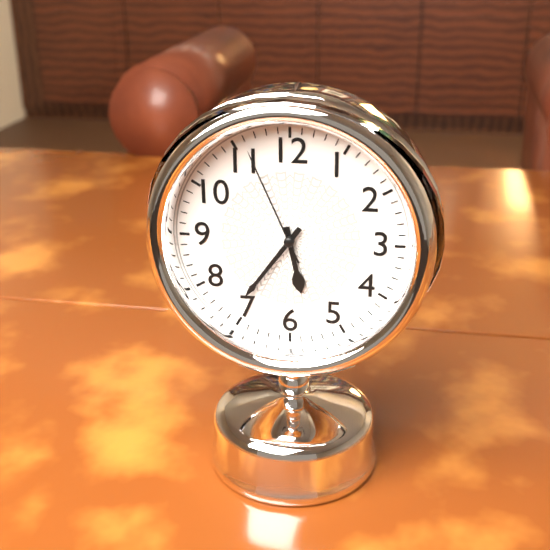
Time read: 5h36m56s
